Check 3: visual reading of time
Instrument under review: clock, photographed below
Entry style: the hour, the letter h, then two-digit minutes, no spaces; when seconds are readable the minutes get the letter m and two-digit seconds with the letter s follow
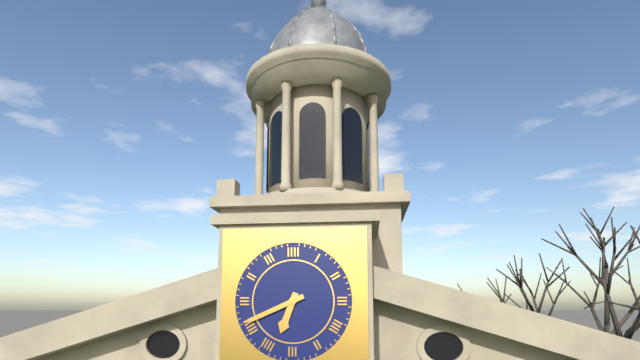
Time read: 6h41
